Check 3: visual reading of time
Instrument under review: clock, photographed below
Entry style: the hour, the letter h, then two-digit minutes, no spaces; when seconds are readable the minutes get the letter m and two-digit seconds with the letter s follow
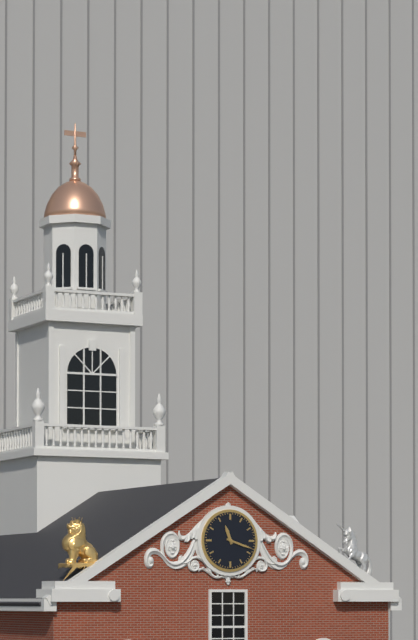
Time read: 11h18
